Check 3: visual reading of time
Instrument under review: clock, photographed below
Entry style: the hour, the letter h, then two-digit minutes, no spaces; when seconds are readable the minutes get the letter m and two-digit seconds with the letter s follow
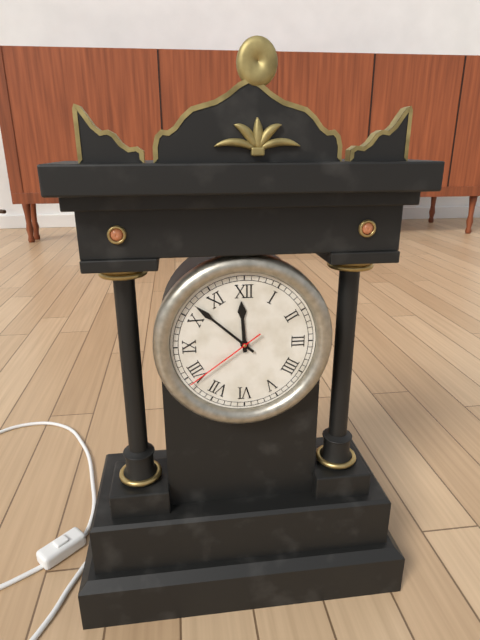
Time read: 11h52m39s
